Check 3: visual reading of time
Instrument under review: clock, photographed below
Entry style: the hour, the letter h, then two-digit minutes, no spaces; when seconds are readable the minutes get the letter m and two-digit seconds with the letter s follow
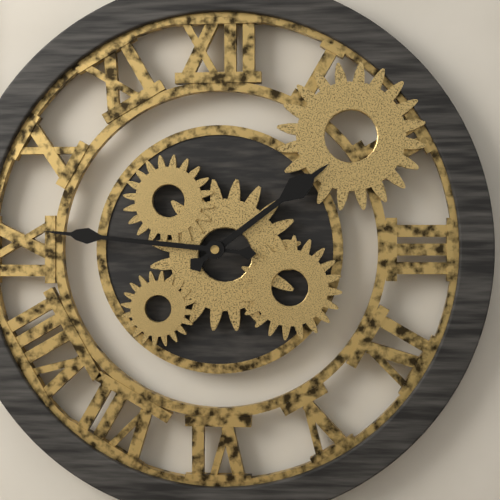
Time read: 1h46
